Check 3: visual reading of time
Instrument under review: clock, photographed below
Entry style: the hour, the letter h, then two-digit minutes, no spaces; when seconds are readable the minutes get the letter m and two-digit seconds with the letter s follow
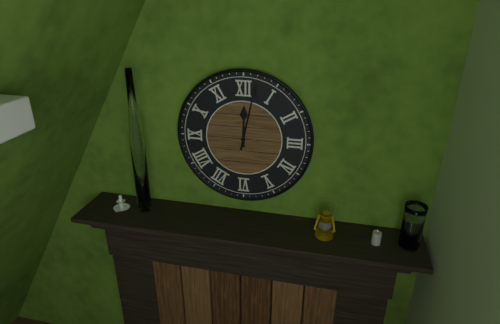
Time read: 12h02
